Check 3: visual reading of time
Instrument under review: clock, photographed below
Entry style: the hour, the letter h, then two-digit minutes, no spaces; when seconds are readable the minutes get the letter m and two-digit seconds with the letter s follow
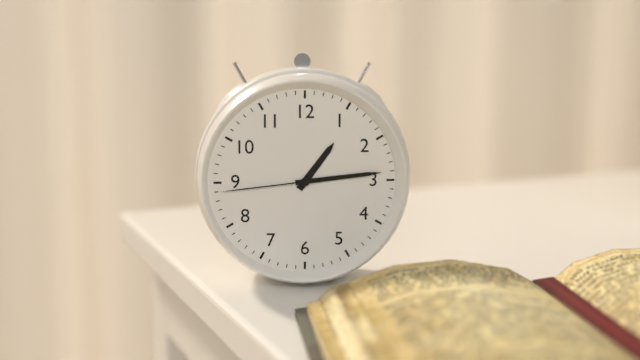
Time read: 1h14m44s
